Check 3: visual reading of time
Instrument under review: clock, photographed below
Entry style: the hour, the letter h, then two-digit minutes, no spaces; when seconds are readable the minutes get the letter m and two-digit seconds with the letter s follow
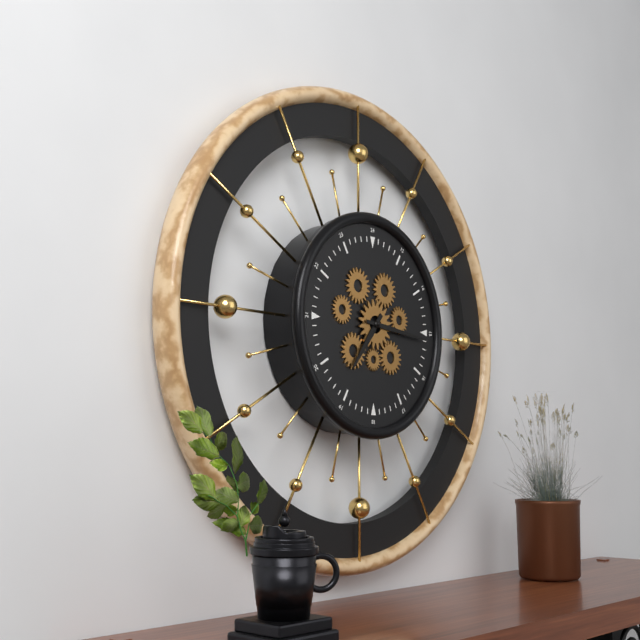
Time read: 7h16
